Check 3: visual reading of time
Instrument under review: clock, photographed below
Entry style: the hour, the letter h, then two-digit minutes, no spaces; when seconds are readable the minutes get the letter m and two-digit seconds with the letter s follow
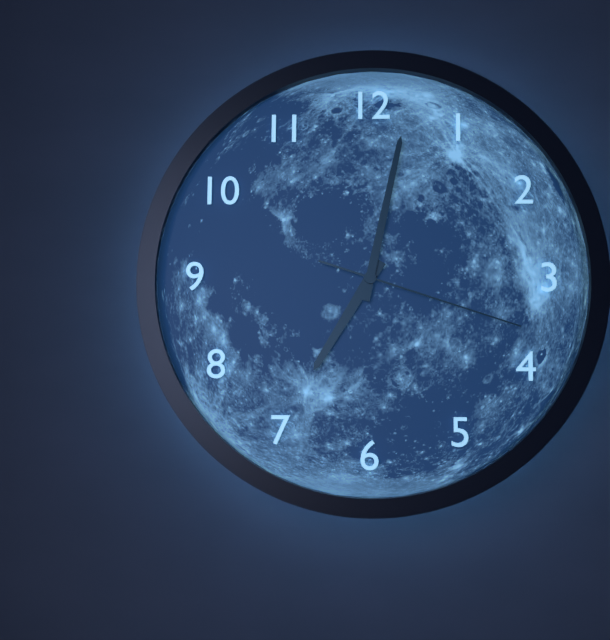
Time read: 7h02m18s
